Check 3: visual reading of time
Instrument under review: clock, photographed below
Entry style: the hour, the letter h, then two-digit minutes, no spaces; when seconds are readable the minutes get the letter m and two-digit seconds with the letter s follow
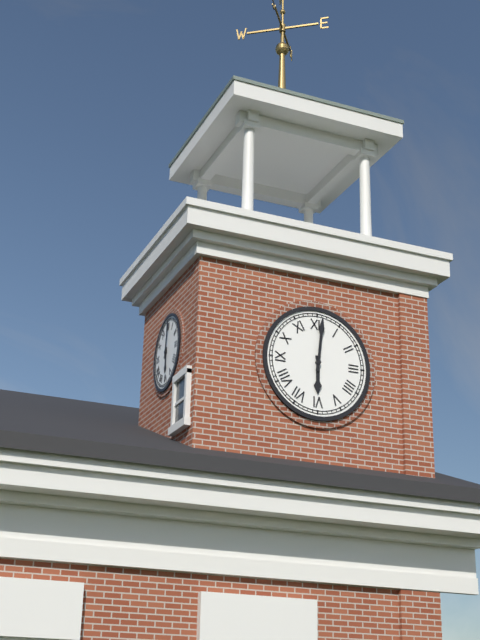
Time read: 6h01
